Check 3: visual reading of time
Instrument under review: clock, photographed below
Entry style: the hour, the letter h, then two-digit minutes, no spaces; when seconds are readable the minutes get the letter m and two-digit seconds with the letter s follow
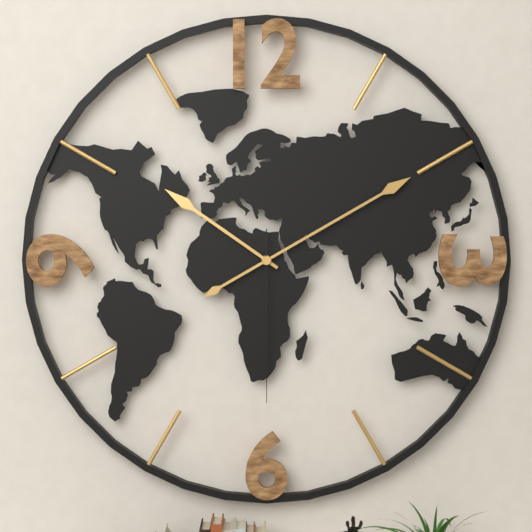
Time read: 10h10m30s
